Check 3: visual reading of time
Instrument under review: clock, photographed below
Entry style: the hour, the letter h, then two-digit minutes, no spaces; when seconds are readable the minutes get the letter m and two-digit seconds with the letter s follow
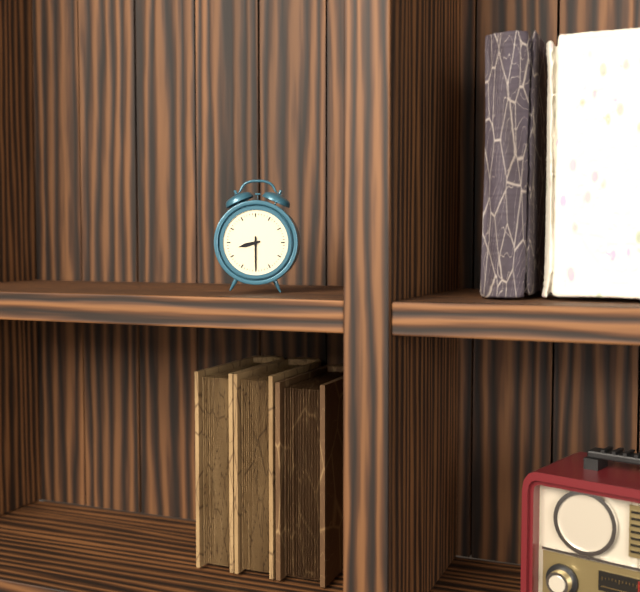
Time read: 8h30
